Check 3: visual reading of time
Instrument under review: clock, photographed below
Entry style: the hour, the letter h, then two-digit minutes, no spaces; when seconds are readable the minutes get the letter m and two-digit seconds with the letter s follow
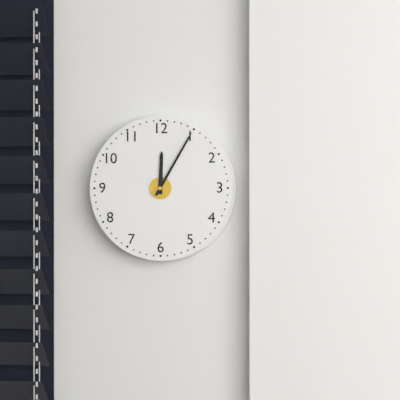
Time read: 12h05
